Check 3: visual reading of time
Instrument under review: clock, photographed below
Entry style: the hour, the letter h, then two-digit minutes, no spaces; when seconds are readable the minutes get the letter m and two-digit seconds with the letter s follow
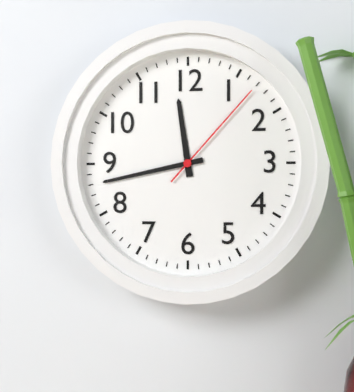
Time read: 11h43m07s
